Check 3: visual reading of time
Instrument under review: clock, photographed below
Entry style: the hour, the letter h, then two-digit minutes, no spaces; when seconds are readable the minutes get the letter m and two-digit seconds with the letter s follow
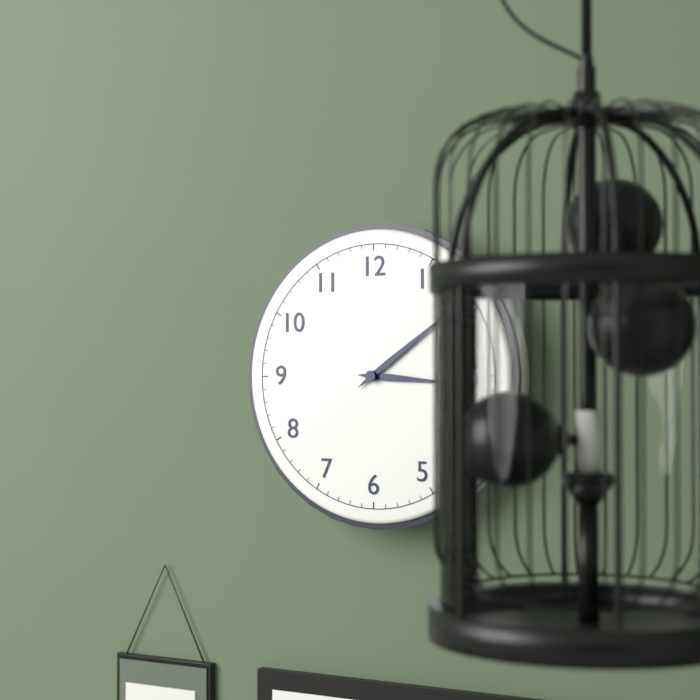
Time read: 3h09
